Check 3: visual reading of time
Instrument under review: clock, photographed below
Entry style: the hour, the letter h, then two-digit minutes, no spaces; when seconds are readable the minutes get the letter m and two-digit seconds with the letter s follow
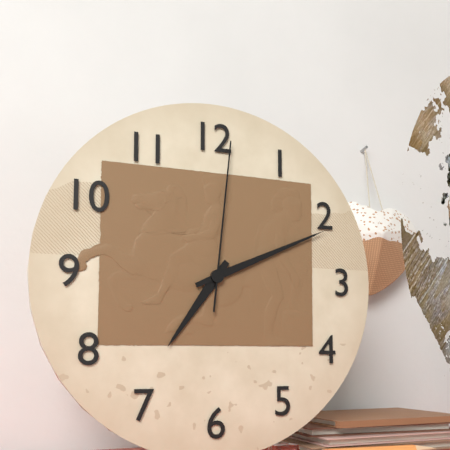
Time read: 7h11m01s
